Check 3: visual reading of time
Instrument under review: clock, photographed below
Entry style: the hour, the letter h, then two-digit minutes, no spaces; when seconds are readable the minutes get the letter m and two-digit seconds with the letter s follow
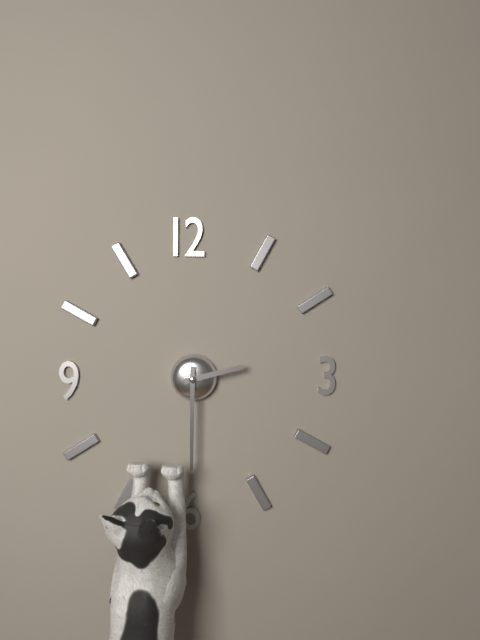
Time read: 2h30
